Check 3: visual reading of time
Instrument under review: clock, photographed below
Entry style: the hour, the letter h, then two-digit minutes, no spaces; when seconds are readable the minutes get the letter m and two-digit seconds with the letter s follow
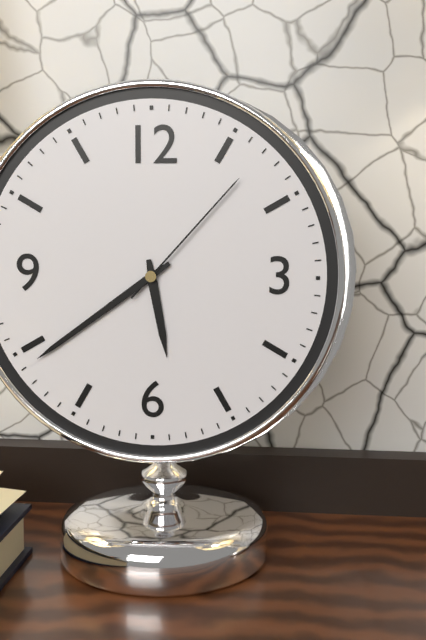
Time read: 5h39m07s
